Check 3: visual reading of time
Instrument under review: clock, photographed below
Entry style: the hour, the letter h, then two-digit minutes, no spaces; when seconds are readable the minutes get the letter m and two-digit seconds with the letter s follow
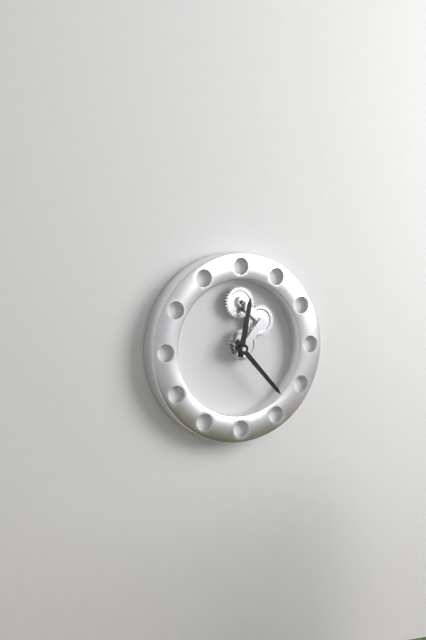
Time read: 12h23
